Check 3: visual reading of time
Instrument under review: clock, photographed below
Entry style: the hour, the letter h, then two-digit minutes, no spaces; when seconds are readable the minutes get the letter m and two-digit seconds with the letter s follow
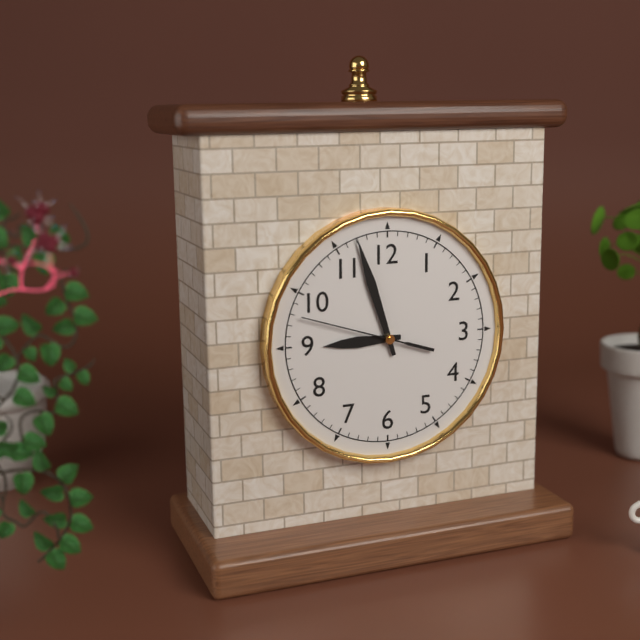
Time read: 8h57m48s
